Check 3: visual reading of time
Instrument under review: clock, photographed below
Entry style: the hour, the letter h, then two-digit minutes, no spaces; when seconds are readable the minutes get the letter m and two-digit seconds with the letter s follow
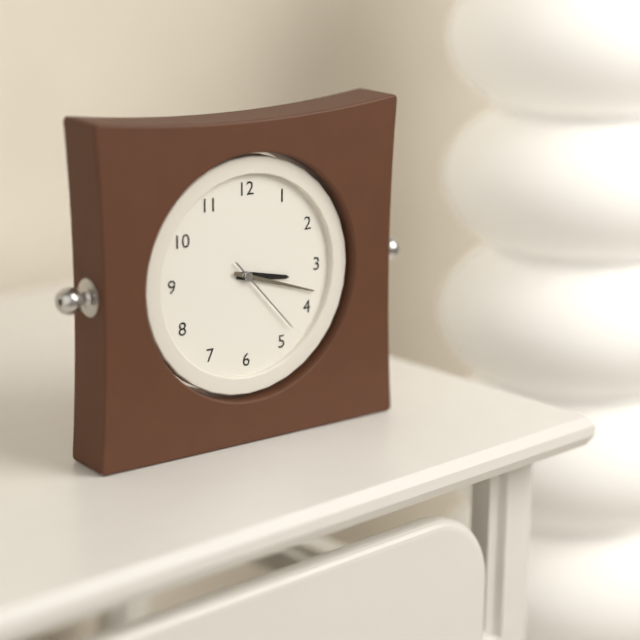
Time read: 3h18m23s
